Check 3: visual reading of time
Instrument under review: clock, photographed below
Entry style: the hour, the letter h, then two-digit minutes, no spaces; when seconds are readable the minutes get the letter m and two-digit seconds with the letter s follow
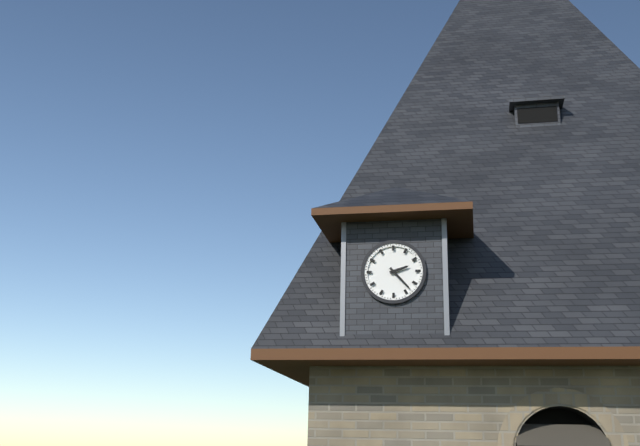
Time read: 2h23
